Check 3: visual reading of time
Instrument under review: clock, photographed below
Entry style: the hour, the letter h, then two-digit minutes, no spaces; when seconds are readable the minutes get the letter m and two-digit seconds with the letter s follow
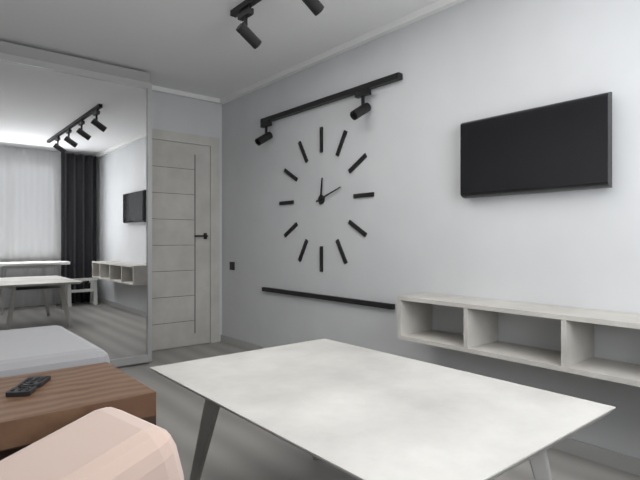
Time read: 12h12
